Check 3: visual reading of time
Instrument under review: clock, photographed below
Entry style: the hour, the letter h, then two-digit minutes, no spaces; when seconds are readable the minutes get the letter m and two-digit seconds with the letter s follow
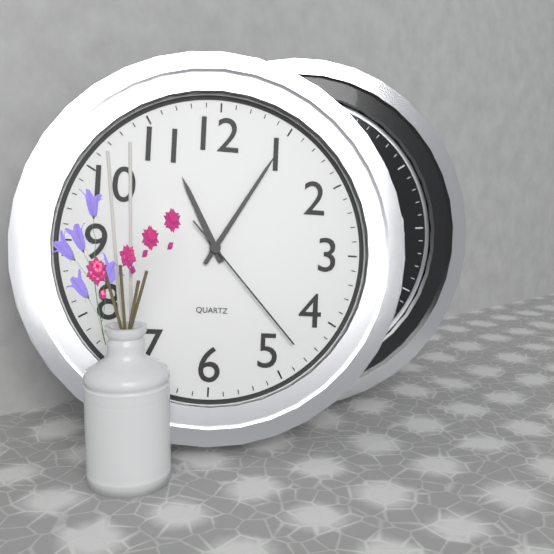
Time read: 11h05m23s
